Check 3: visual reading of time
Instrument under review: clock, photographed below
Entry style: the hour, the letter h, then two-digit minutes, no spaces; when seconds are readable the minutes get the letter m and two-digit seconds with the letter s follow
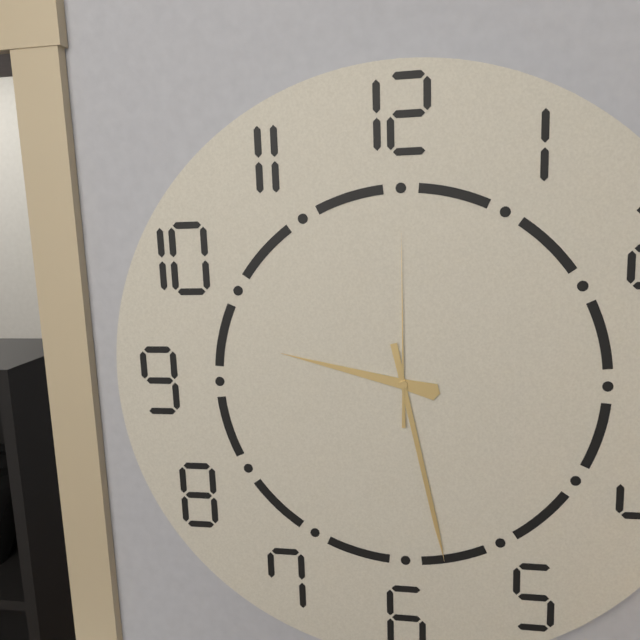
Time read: 9h28m00s
